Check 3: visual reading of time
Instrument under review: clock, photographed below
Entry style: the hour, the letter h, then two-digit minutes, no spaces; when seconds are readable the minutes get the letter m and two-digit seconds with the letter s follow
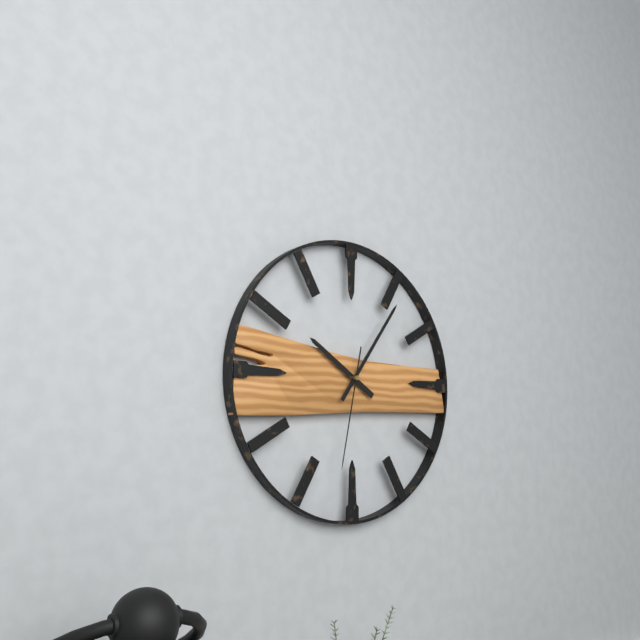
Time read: 10h06m32s
